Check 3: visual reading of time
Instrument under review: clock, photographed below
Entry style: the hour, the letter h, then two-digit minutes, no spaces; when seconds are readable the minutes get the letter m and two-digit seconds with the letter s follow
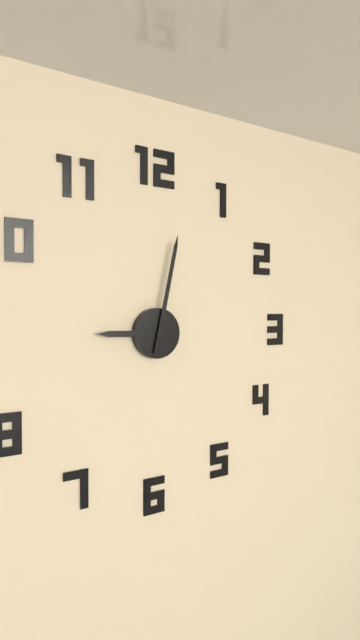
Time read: 9h02
